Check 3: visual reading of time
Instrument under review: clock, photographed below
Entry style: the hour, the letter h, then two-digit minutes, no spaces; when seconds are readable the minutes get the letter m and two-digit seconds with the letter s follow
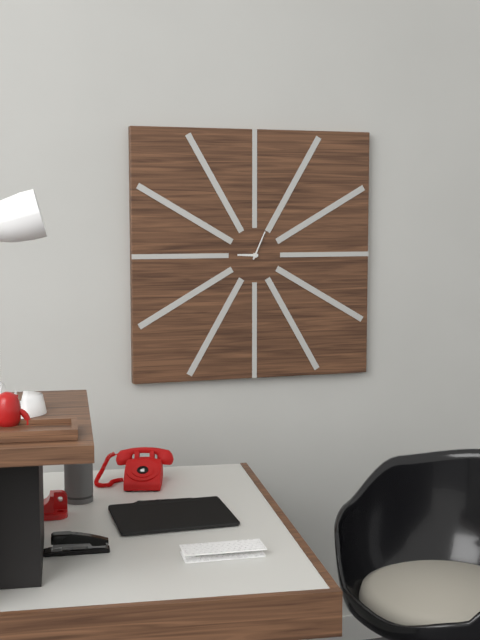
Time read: 9h04
